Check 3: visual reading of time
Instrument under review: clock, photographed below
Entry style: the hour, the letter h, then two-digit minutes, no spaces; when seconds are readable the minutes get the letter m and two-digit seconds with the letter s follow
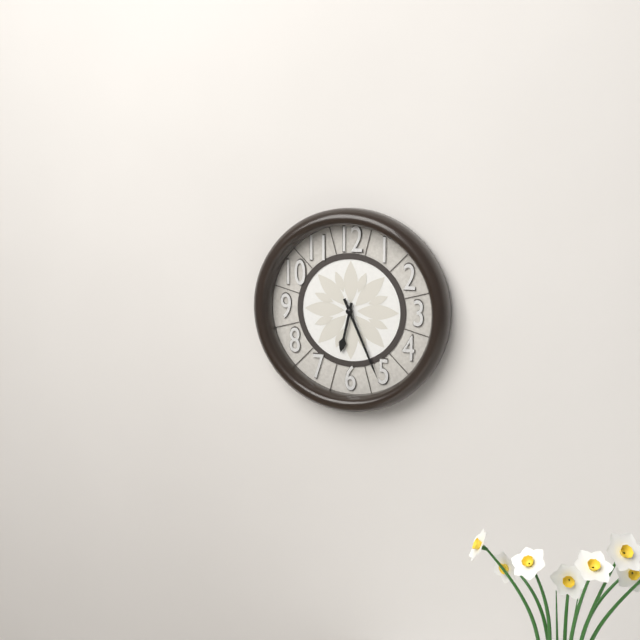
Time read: 6h26
